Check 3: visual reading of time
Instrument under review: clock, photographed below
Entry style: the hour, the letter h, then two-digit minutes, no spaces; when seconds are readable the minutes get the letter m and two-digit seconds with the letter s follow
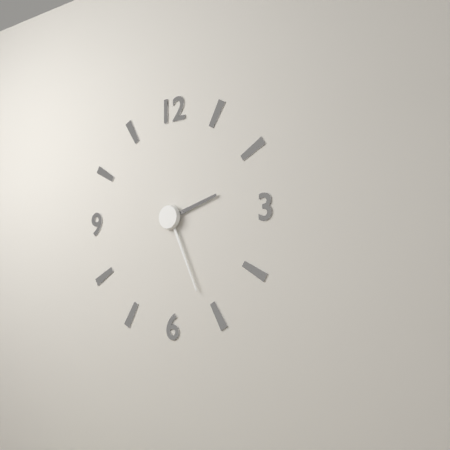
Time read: 2h26
